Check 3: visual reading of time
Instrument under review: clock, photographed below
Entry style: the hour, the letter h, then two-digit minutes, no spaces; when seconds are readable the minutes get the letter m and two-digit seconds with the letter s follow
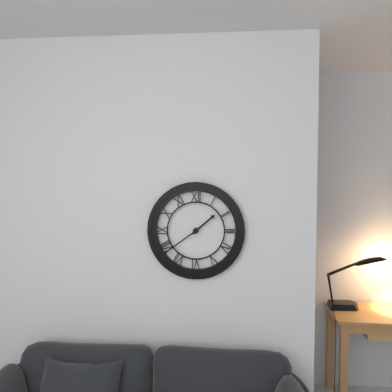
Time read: 1h39
